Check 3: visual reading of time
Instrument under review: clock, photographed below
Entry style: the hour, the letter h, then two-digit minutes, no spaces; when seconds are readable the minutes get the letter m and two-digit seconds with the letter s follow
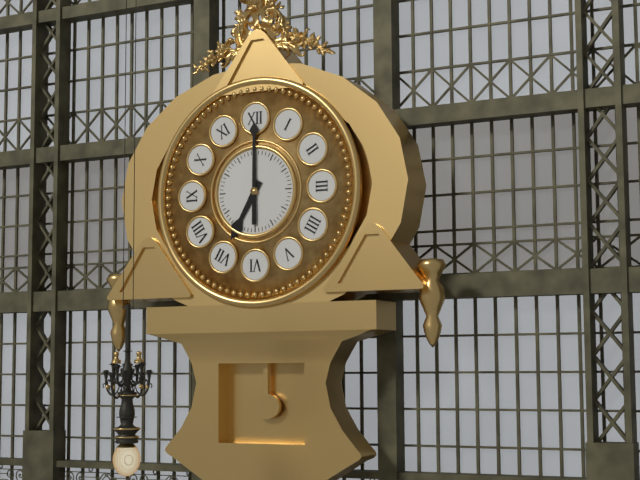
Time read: 7h00
